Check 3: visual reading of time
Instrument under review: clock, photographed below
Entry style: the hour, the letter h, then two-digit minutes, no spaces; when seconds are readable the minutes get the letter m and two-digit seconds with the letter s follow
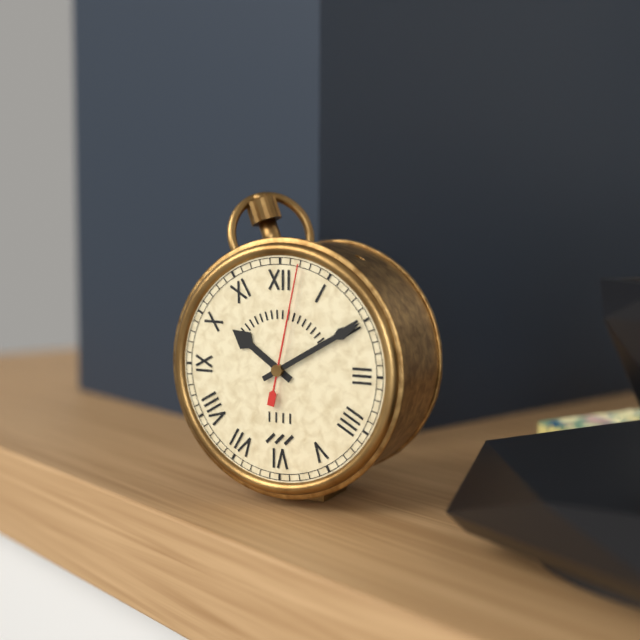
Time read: 10h10m02s
